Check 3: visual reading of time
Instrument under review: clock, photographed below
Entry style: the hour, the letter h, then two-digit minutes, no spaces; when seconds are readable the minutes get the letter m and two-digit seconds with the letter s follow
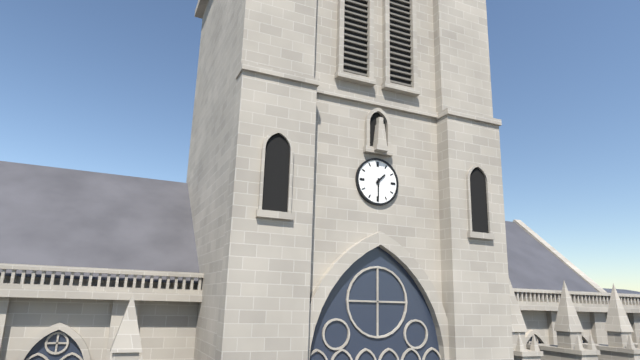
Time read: 1h30
